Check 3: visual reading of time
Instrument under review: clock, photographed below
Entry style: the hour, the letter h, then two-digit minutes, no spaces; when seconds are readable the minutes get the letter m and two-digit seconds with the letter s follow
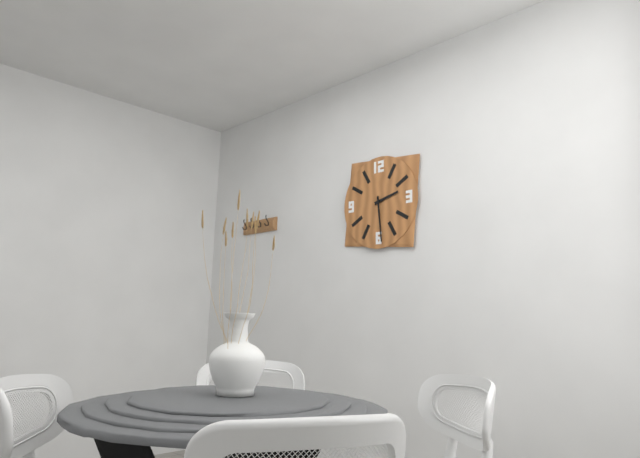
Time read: 2h29
